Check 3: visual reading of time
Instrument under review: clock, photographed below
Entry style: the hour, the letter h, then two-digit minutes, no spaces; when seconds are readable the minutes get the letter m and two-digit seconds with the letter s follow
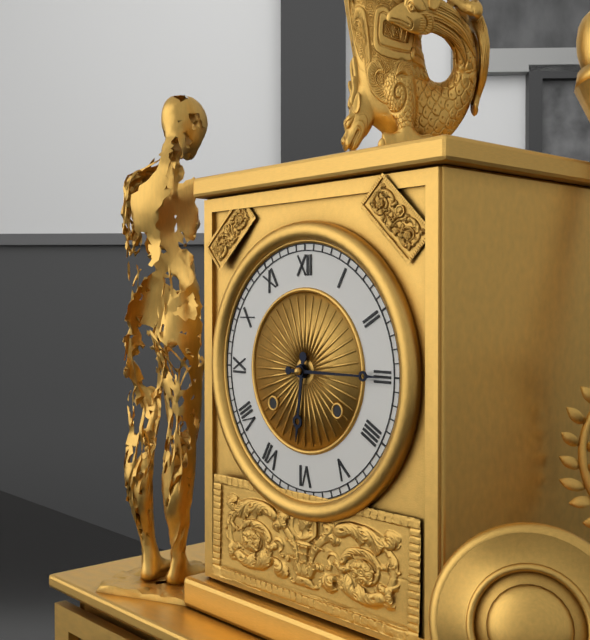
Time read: 6h15
